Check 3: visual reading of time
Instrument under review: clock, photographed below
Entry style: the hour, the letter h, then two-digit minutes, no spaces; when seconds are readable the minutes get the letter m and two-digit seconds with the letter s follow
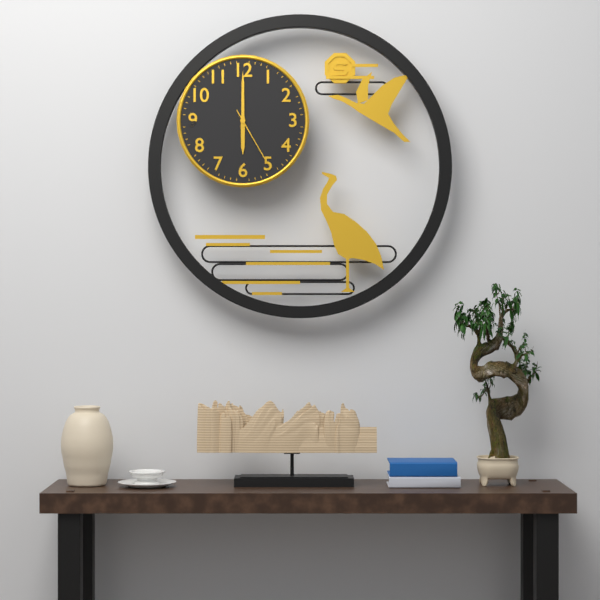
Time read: 6h00m25s
